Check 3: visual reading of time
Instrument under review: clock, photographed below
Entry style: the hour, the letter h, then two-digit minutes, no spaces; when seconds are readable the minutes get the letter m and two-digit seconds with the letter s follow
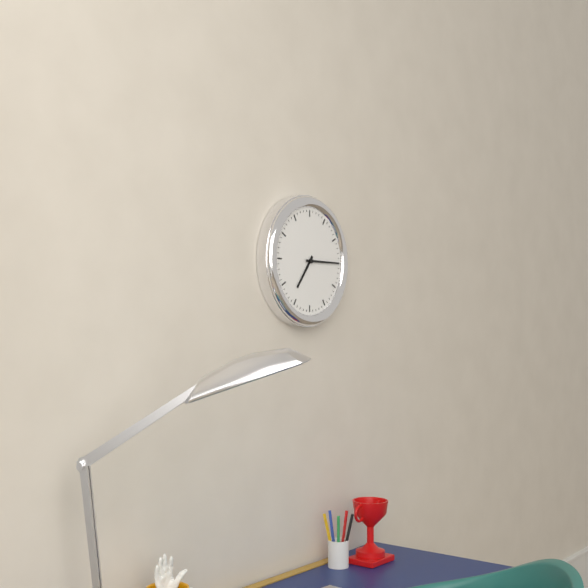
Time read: 7h15
